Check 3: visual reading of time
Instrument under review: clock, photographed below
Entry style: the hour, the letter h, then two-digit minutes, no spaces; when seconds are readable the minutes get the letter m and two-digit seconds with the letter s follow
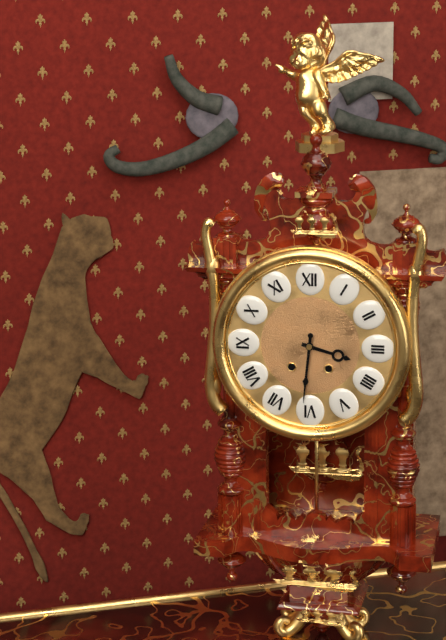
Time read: 3h31
